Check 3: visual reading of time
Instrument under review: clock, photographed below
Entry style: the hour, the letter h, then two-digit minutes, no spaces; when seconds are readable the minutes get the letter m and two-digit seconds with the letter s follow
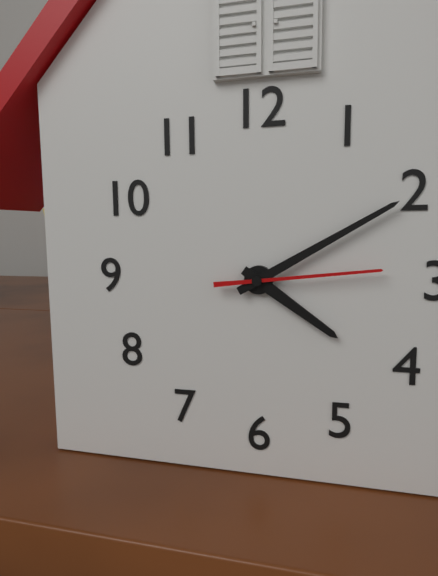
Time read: 4h10m14s
